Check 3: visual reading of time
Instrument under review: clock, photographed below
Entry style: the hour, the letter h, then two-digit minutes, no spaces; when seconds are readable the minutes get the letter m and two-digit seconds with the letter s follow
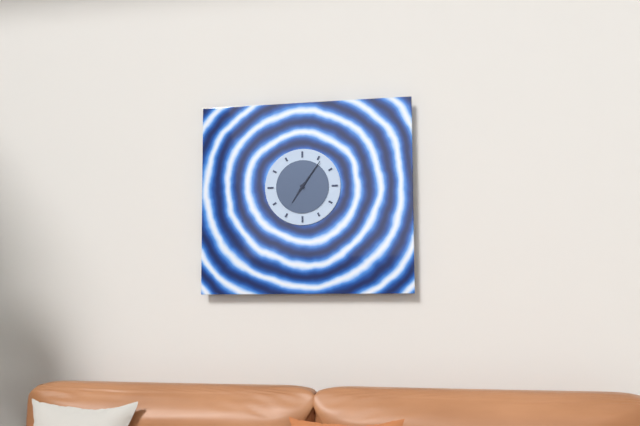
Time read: 7h06
